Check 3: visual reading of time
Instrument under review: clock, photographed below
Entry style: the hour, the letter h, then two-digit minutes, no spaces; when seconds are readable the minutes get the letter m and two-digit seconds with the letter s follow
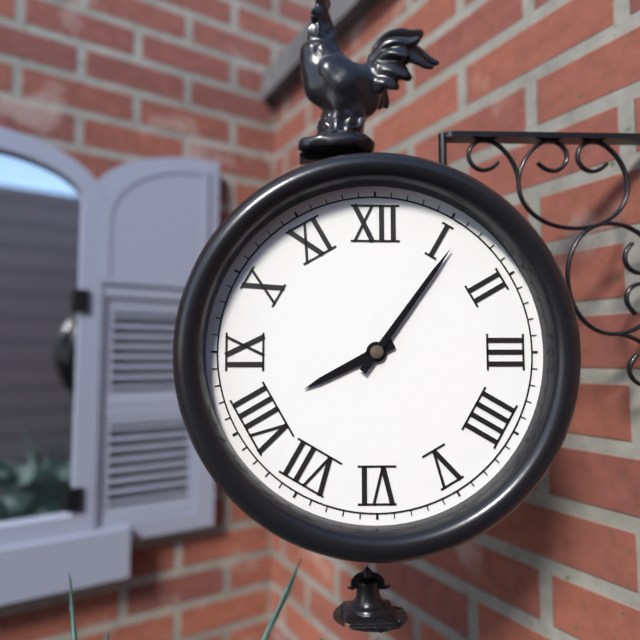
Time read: 8h06
